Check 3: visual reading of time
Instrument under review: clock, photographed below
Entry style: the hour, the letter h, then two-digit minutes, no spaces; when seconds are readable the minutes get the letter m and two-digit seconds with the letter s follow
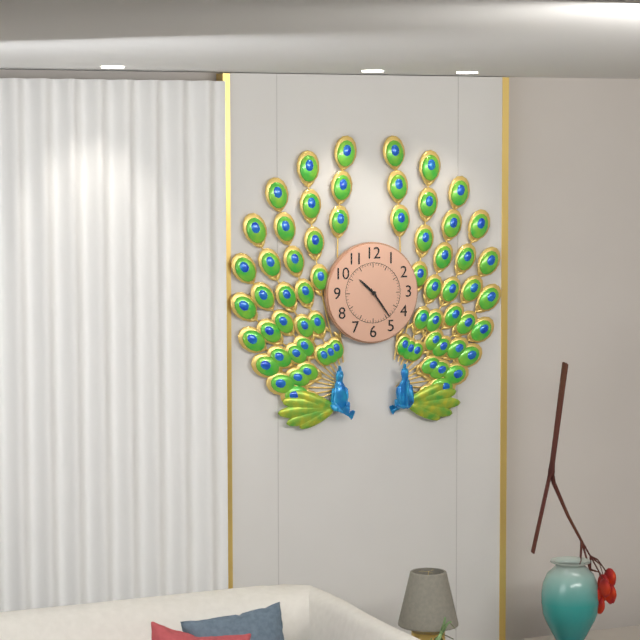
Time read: 10h24
